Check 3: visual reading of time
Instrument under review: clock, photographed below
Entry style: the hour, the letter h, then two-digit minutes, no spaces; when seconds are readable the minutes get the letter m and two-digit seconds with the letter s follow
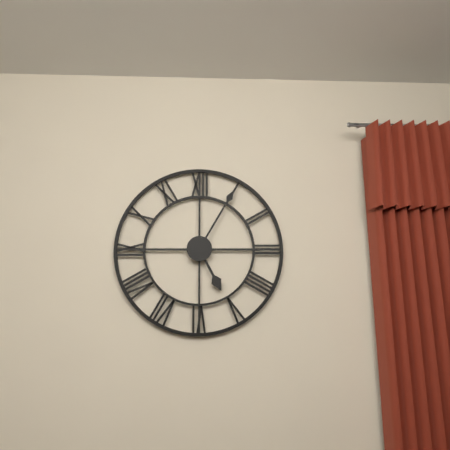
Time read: 5h05
